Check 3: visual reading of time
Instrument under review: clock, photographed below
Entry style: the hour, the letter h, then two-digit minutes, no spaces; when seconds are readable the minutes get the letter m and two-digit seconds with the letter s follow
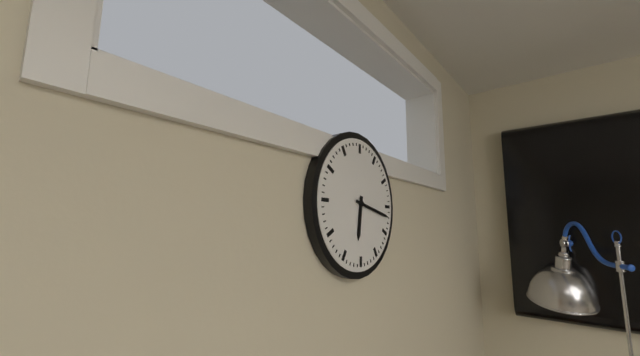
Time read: 6h17
